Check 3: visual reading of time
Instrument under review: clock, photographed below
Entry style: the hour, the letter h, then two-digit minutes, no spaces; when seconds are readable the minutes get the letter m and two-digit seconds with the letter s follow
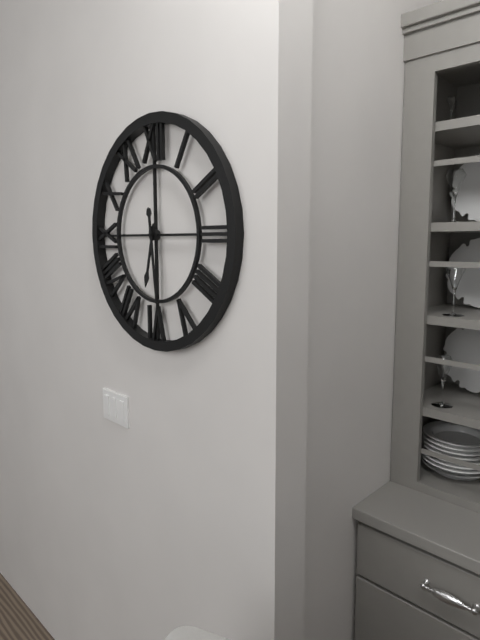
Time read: 6h29
